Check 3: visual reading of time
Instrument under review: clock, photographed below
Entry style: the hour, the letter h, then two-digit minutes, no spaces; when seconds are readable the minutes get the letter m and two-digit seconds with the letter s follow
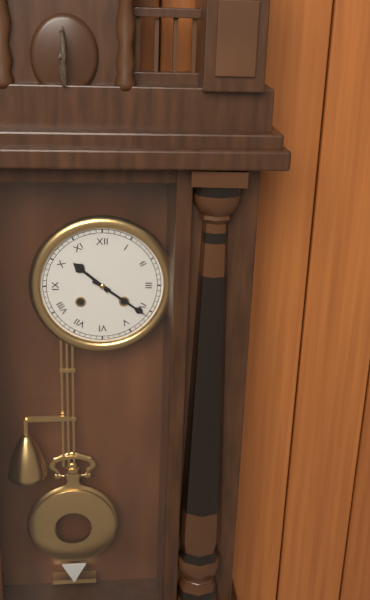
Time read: 10h21
